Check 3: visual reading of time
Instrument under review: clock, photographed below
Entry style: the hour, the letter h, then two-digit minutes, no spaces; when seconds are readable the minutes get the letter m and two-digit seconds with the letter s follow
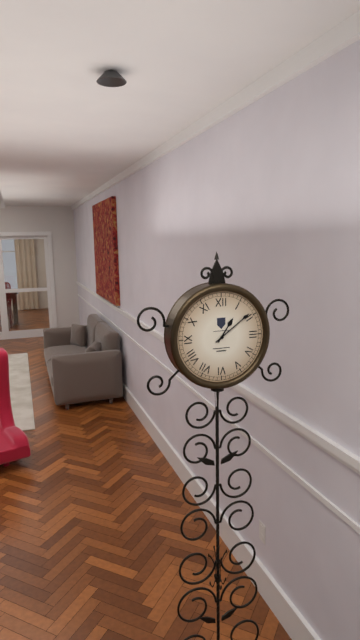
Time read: 1h09
